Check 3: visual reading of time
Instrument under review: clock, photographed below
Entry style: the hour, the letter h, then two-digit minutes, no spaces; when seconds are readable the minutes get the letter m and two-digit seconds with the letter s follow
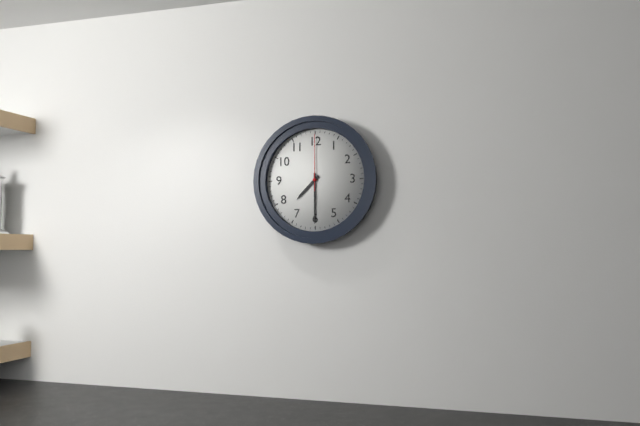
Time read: 7h30m00s
